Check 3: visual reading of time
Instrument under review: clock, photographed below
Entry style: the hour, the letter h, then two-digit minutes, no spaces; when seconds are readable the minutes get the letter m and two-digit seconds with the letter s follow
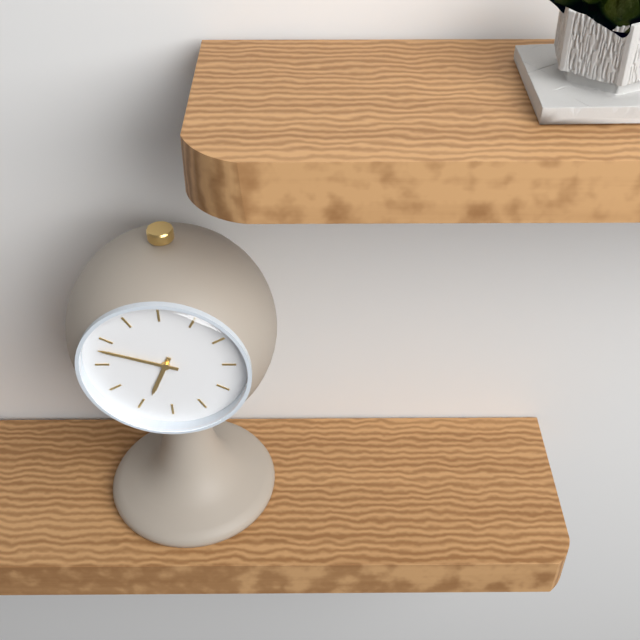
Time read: 6h48
